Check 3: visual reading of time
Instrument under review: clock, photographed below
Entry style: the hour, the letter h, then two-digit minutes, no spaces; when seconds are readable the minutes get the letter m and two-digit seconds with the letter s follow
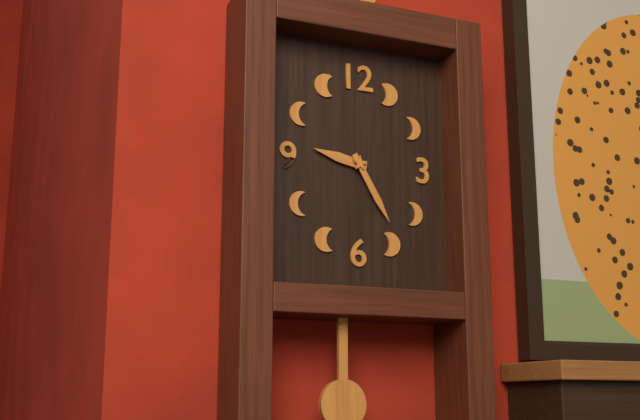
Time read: 9h25
